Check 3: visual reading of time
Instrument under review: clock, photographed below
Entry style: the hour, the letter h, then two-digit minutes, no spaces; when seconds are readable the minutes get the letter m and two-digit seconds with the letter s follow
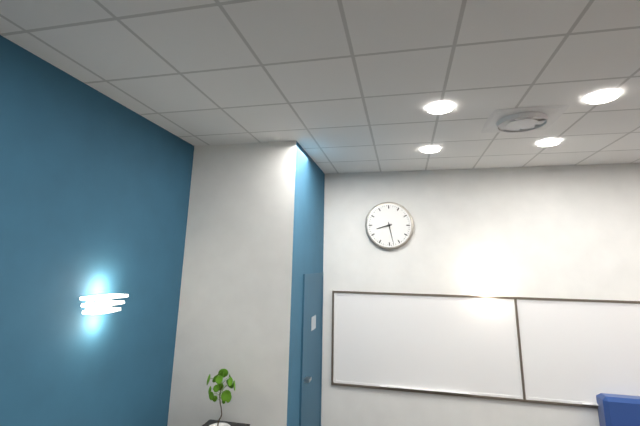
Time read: 8h28
